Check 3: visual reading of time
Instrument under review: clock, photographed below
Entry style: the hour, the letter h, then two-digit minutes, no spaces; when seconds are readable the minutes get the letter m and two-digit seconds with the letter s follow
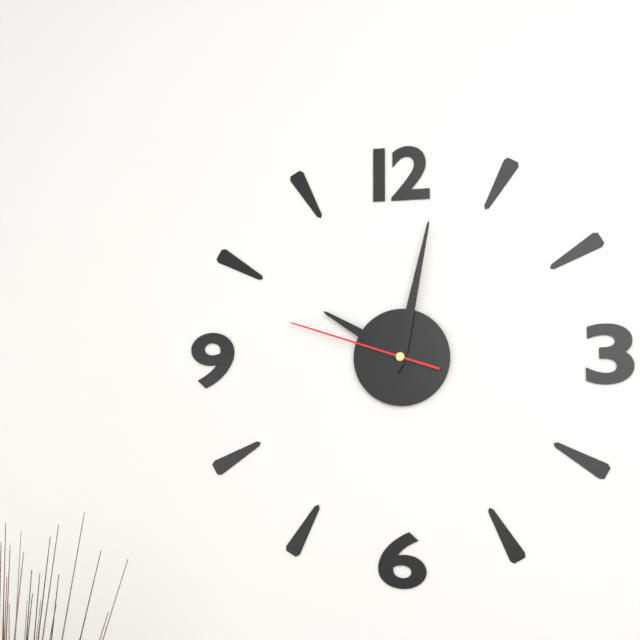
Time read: 10h02m48s
